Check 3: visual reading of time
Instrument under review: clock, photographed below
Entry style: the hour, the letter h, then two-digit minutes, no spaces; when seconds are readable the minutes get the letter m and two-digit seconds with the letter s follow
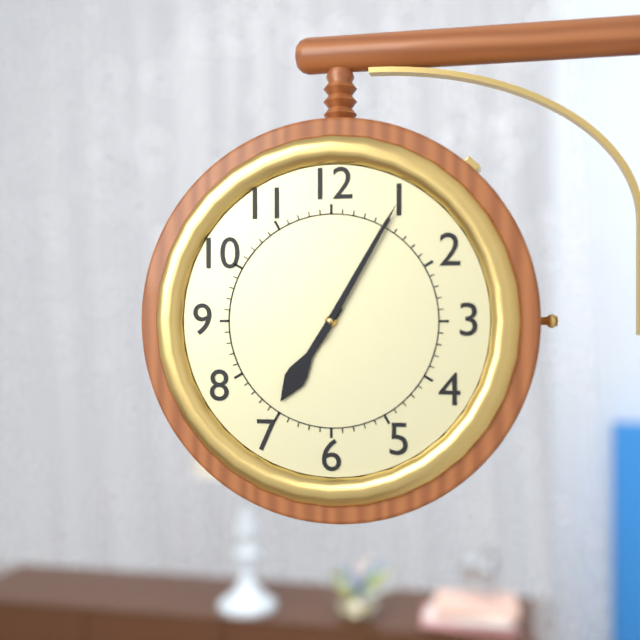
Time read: 7h05
